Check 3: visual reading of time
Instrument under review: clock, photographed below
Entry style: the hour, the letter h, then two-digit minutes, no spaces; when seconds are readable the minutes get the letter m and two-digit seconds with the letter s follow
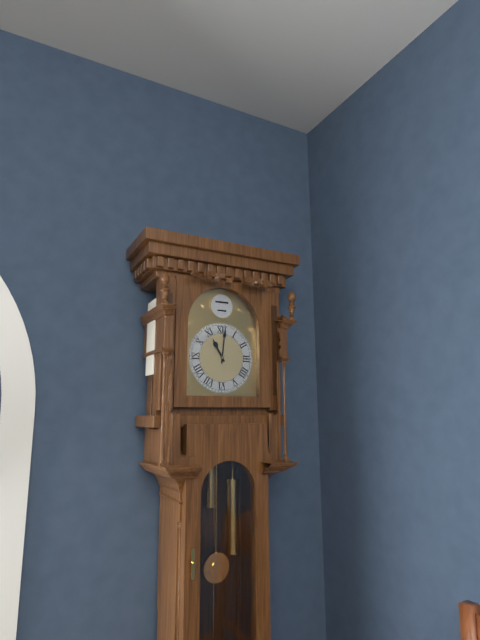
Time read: 11h01
